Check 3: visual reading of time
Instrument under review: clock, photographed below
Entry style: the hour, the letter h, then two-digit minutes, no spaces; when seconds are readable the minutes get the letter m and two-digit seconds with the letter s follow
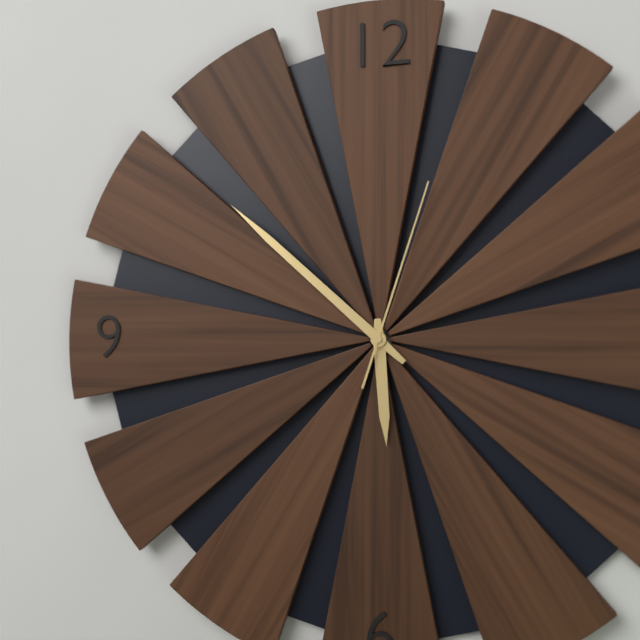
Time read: 5h52m03s
